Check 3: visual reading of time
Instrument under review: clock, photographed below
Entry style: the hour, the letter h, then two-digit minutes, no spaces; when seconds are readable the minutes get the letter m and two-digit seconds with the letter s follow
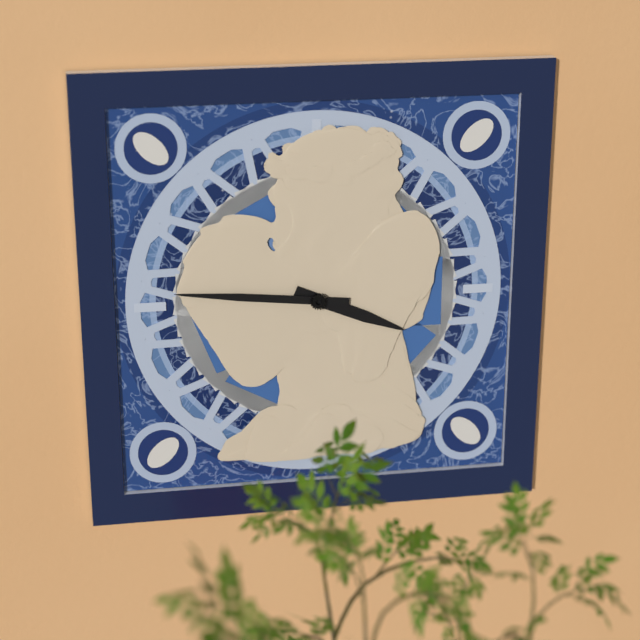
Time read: 3h46
